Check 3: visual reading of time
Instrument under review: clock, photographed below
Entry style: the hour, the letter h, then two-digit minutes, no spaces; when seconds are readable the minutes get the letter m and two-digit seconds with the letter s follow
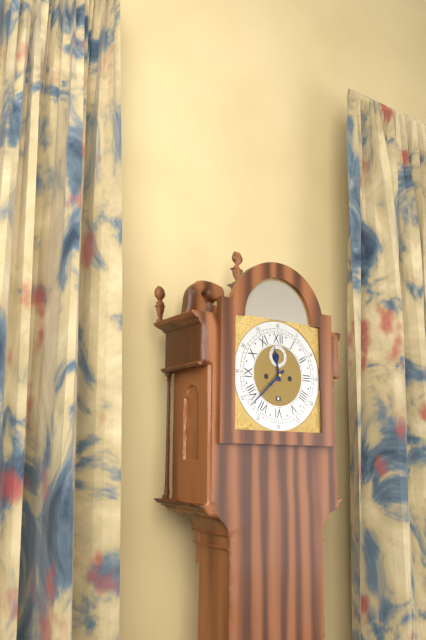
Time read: 11h38
